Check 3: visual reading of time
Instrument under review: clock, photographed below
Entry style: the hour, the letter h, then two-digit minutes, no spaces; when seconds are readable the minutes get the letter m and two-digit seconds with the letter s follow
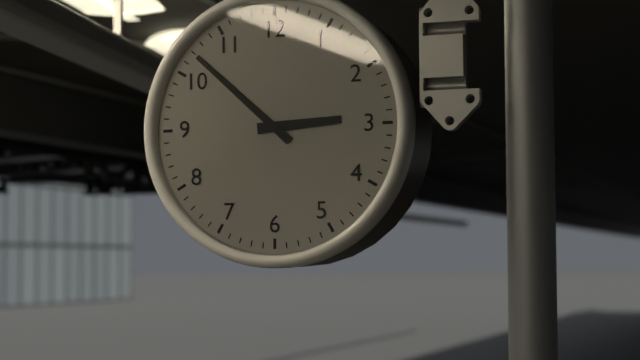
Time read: 2h52
